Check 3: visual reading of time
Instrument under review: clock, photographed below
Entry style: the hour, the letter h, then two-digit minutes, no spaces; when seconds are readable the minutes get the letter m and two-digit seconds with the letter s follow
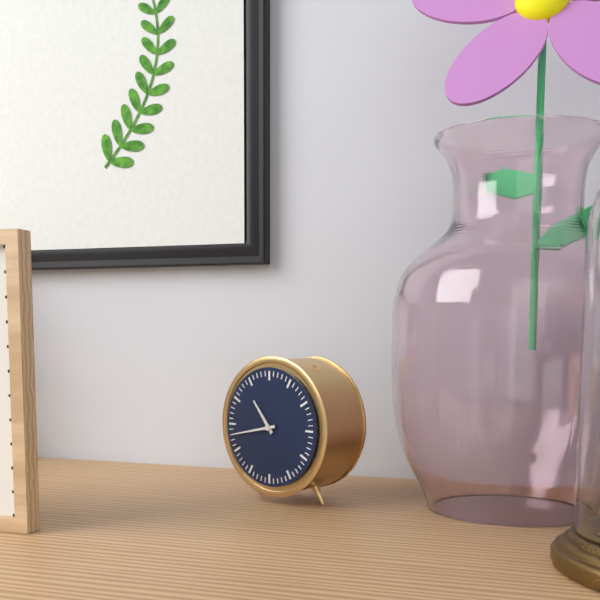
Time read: 10h43
